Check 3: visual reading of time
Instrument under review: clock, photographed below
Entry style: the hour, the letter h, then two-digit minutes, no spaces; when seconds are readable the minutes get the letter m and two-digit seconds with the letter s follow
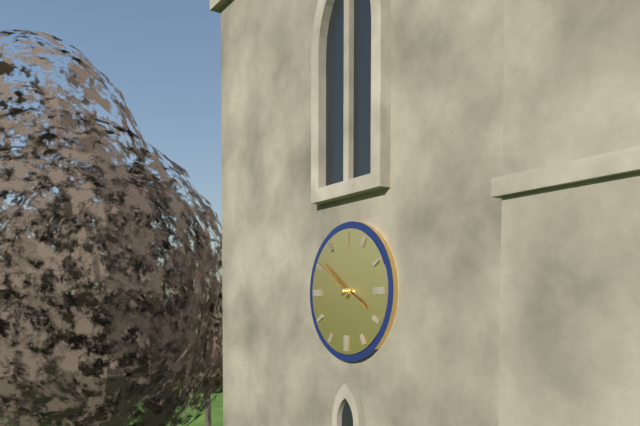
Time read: 3h51
